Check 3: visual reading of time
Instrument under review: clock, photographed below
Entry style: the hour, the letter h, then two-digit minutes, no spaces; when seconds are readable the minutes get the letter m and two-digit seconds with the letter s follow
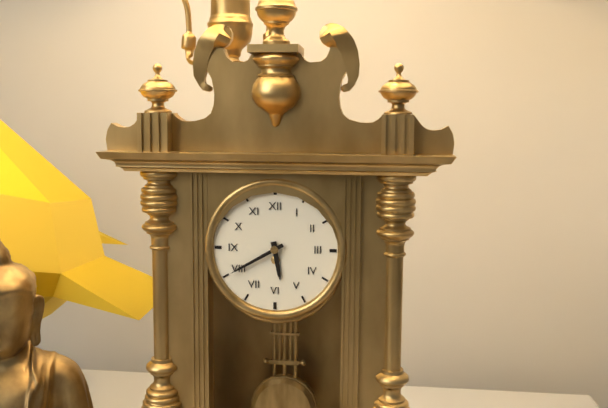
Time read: 5h40
